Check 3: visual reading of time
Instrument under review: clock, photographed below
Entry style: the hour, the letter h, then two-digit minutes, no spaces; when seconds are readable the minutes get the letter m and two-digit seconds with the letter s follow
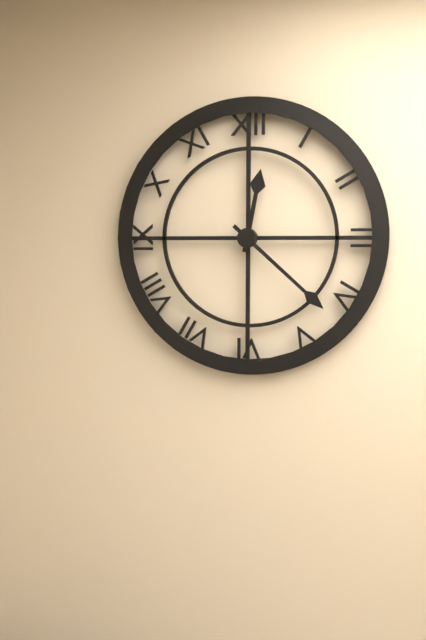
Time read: 12h22
